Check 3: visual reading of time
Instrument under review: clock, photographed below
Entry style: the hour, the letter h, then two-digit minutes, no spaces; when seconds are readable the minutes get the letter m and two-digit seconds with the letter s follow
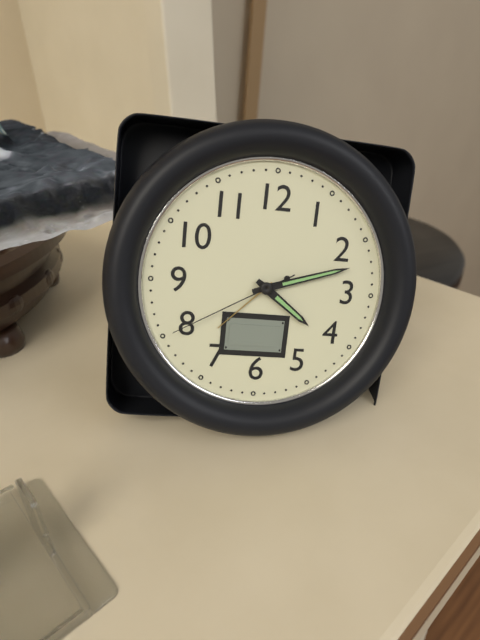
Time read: 4h12m40s
